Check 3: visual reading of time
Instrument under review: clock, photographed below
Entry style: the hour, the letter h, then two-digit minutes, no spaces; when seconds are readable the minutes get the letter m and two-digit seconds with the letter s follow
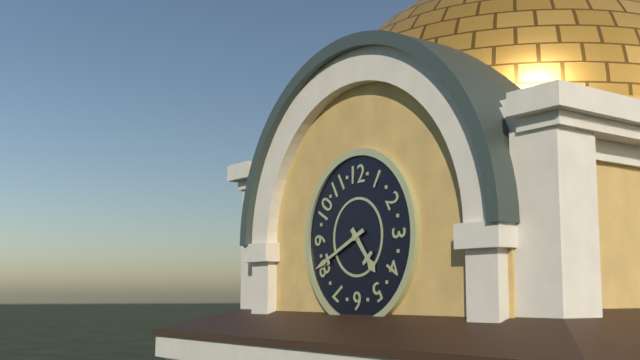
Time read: 4h41
